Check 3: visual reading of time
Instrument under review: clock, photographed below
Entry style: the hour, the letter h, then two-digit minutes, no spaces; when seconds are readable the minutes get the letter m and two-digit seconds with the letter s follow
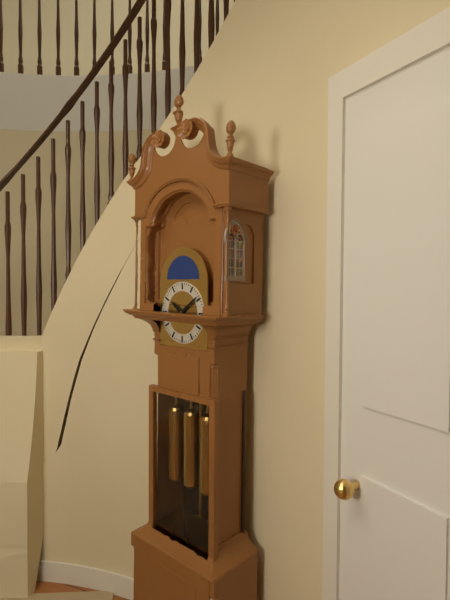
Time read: 10h09
